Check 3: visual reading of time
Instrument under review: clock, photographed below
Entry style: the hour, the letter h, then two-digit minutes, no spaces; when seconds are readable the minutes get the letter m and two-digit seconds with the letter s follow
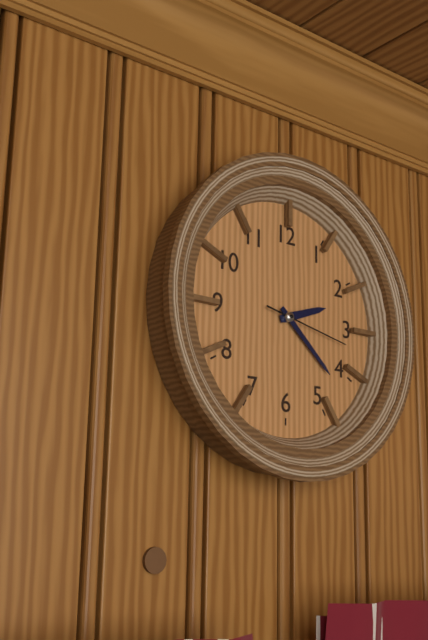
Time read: 2h22m17s
